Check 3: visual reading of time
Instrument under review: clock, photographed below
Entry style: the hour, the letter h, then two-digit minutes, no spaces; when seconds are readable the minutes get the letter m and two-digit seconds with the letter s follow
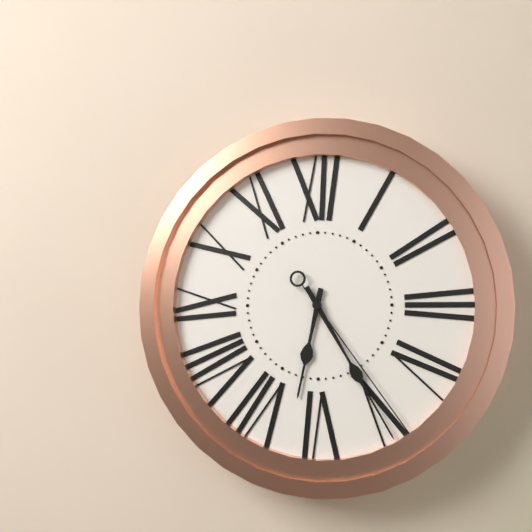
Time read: 6h25m24s
